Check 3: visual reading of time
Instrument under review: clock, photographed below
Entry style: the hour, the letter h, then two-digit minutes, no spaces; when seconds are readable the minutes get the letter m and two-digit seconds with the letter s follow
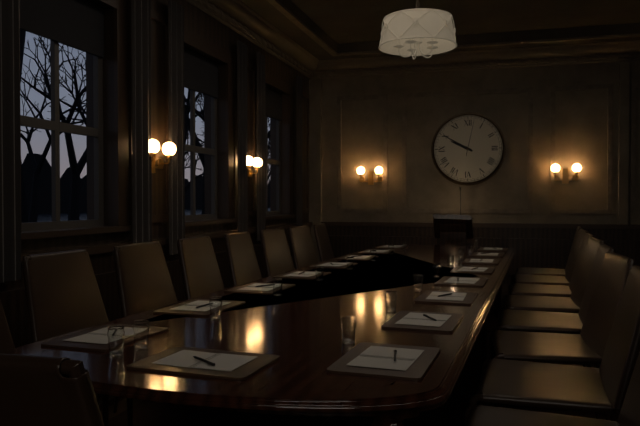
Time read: 9h50
